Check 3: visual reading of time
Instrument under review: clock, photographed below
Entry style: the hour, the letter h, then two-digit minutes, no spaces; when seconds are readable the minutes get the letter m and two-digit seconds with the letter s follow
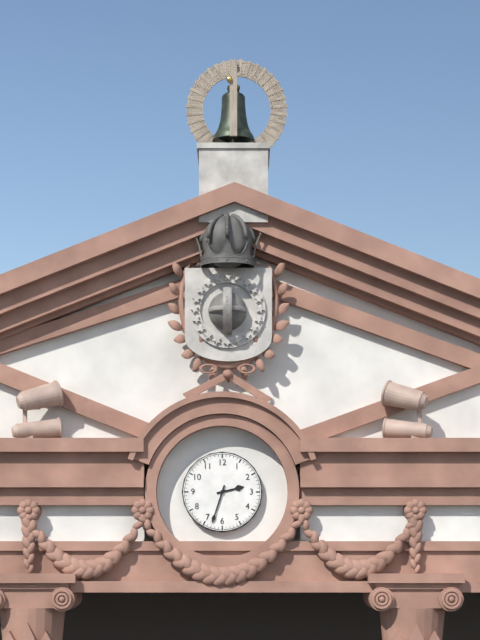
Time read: 2h33
